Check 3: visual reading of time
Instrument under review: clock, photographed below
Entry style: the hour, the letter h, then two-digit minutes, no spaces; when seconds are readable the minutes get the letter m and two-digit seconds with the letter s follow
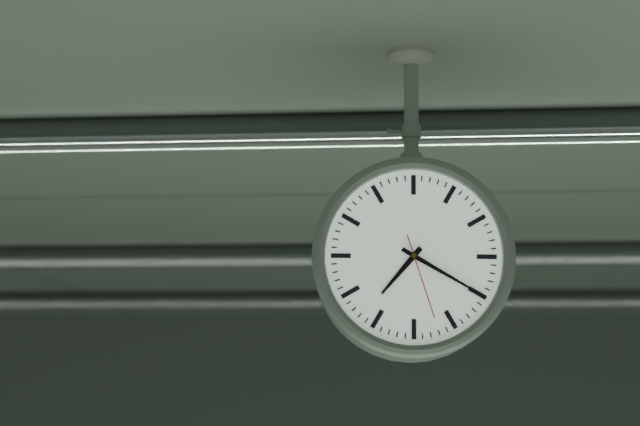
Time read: 7h20m27s
